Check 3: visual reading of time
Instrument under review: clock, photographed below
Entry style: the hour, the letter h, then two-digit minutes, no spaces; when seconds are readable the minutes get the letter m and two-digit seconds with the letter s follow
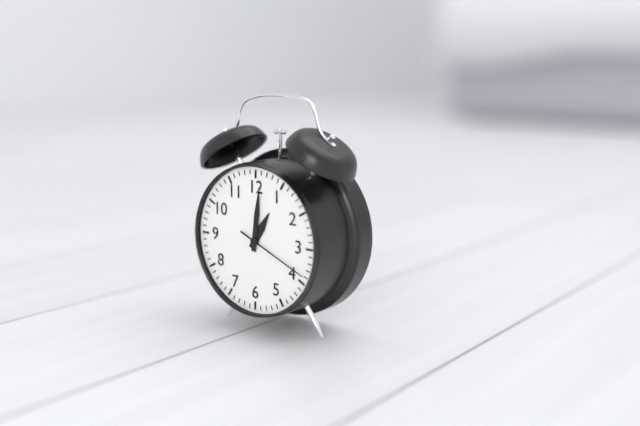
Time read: 1h01m19s
